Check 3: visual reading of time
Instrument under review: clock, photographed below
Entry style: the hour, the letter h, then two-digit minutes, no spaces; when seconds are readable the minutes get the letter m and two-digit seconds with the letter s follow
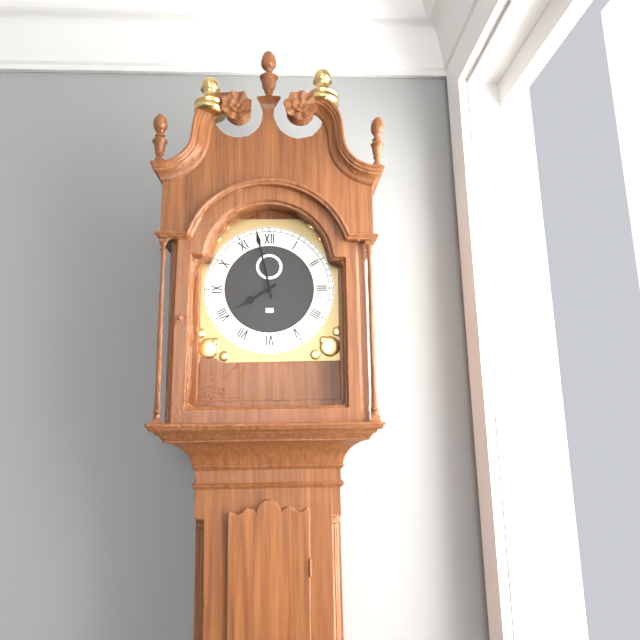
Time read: 7h58
